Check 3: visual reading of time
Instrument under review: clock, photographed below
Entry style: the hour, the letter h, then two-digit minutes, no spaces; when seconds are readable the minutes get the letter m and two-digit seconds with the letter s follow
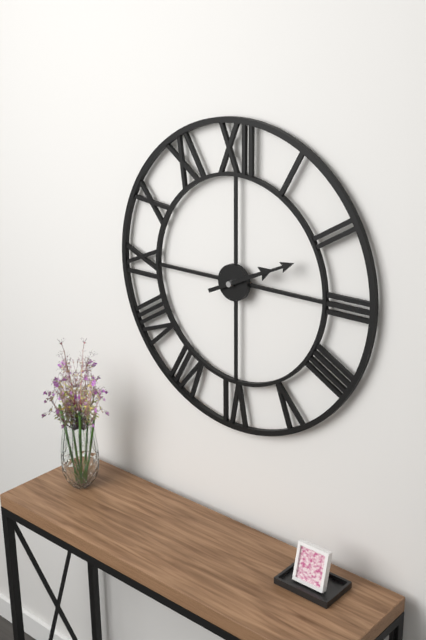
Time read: 2h11
